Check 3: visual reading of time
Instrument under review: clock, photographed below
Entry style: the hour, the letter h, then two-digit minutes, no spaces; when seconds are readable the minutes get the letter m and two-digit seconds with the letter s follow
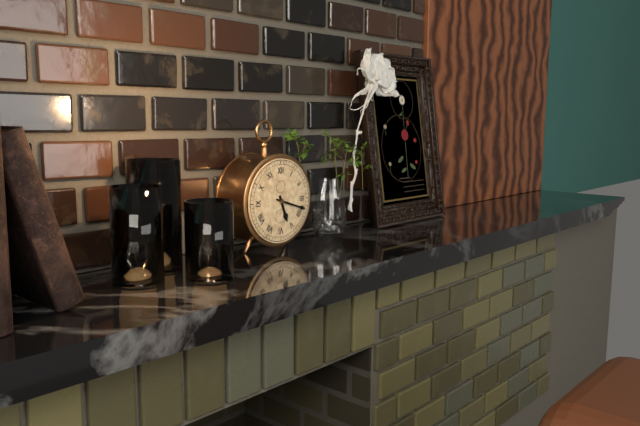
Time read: 5h18
